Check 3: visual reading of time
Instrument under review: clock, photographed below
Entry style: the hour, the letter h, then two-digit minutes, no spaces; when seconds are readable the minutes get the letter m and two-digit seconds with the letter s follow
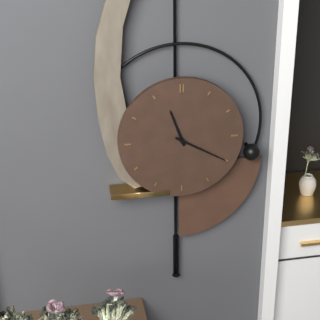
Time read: 11h20
